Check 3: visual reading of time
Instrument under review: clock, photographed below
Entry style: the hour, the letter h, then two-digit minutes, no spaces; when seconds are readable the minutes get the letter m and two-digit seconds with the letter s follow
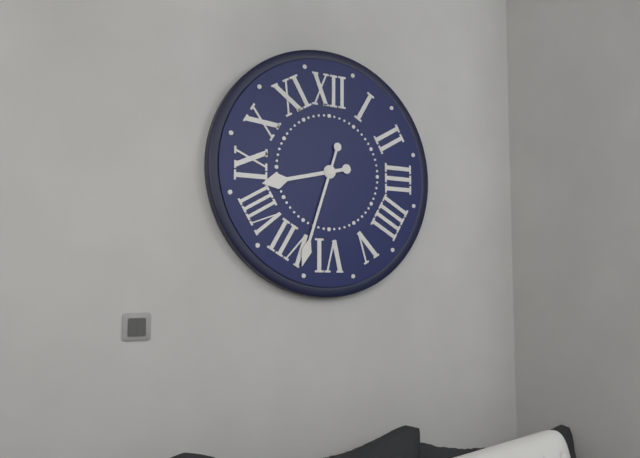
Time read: 8h33
